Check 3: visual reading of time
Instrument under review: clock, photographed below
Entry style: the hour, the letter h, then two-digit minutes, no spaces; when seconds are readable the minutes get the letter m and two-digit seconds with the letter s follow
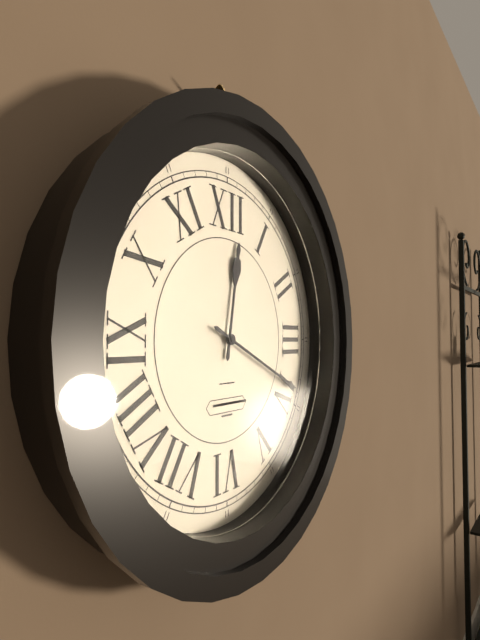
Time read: 12h19
